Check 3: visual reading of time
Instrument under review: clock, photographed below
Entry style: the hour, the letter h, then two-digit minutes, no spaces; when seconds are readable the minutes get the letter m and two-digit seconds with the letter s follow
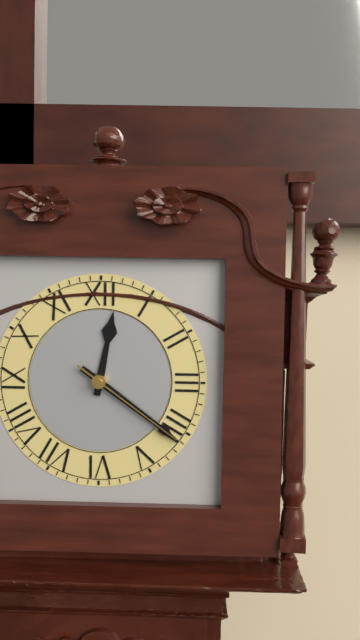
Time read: 12h21m21s
